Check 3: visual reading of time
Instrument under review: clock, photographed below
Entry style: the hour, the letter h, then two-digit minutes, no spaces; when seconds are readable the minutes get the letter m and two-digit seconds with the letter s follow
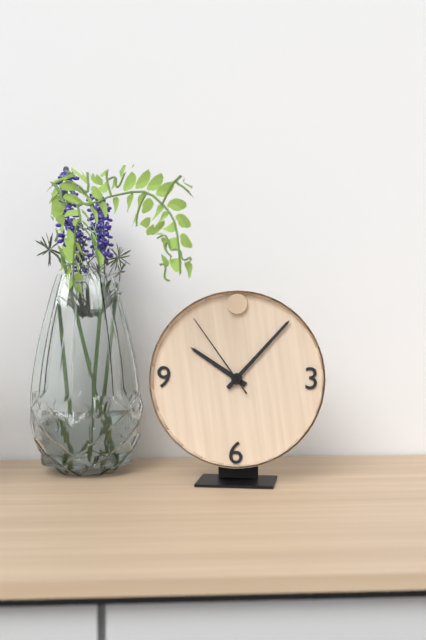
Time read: 10h07m54s
